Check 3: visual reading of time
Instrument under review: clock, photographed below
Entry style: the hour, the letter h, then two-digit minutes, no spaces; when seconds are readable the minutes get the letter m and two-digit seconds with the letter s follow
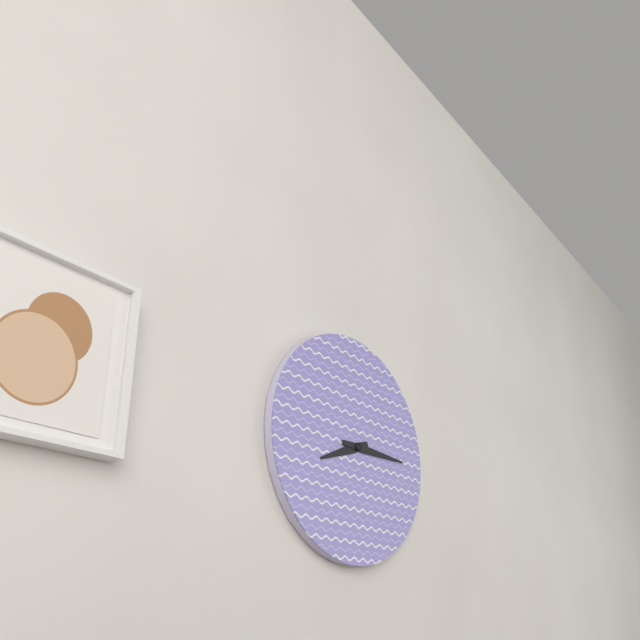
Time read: 8h15
